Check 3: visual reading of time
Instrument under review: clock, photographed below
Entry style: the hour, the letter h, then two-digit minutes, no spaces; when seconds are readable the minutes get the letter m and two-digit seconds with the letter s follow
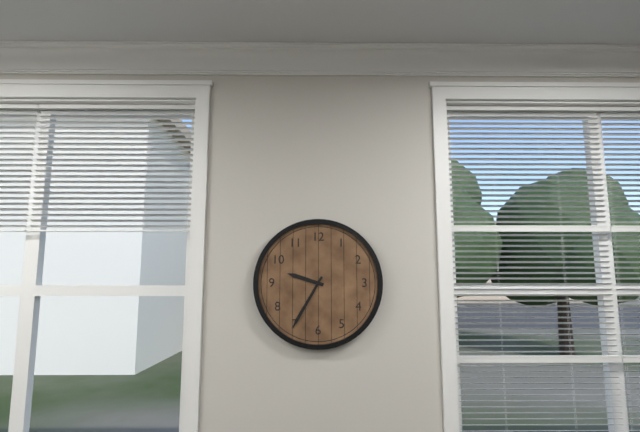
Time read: 9h35
